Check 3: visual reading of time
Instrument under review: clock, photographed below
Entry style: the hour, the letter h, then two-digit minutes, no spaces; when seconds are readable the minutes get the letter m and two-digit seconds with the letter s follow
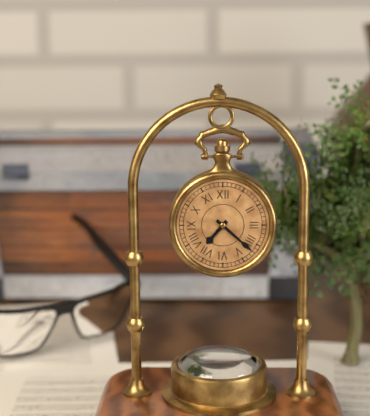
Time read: 7h22
